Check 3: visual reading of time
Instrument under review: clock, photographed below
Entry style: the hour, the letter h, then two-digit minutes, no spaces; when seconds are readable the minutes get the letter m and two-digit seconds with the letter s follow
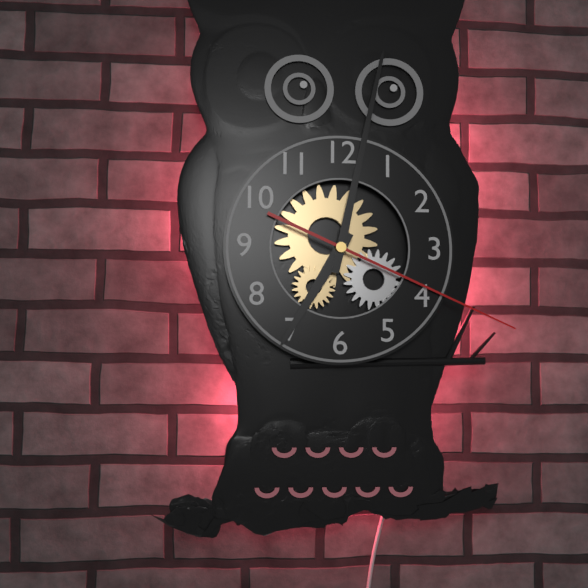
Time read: 7h02m19s
